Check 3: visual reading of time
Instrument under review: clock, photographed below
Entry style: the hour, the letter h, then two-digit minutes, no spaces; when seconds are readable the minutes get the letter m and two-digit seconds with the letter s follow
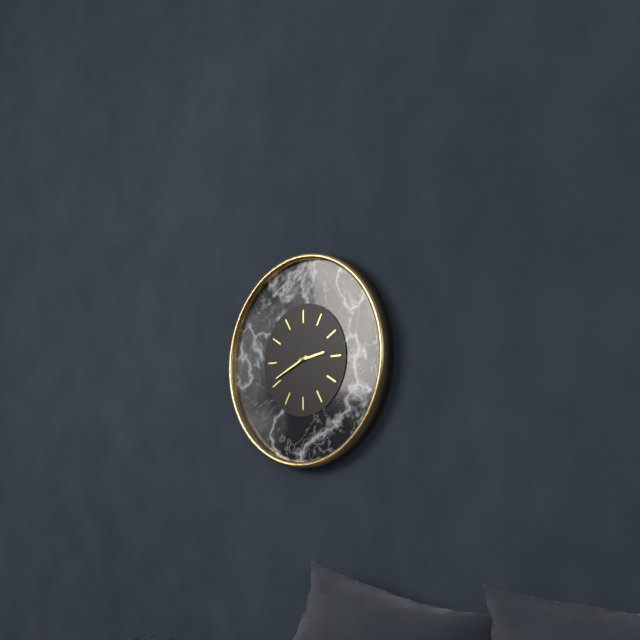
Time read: 2h41
